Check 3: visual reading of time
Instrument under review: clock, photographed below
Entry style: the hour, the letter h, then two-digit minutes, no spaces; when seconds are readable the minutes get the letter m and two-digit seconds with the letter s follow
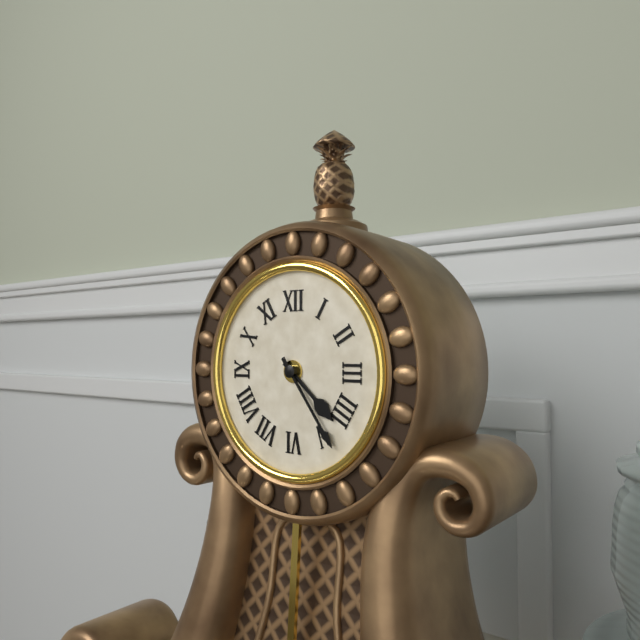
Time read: 4h24
